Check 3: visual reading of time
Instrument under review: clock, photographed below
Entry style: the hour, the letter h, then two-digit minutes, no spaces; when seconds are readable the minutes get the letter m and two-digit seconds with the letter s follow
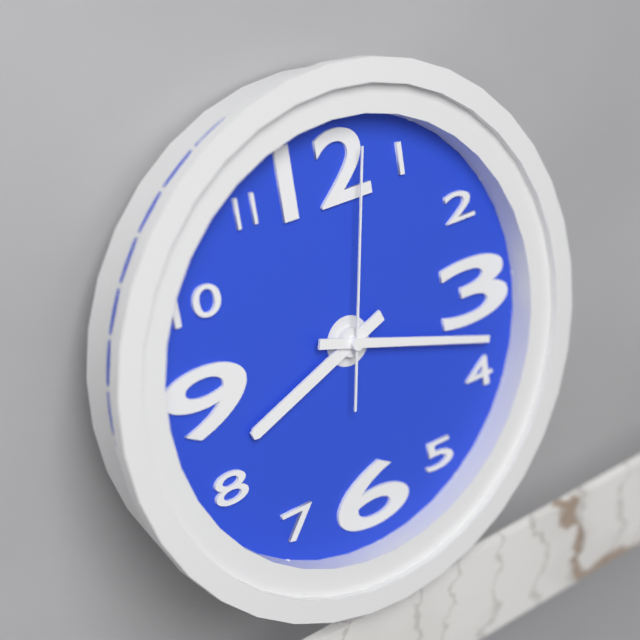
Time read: 8h18m02s
